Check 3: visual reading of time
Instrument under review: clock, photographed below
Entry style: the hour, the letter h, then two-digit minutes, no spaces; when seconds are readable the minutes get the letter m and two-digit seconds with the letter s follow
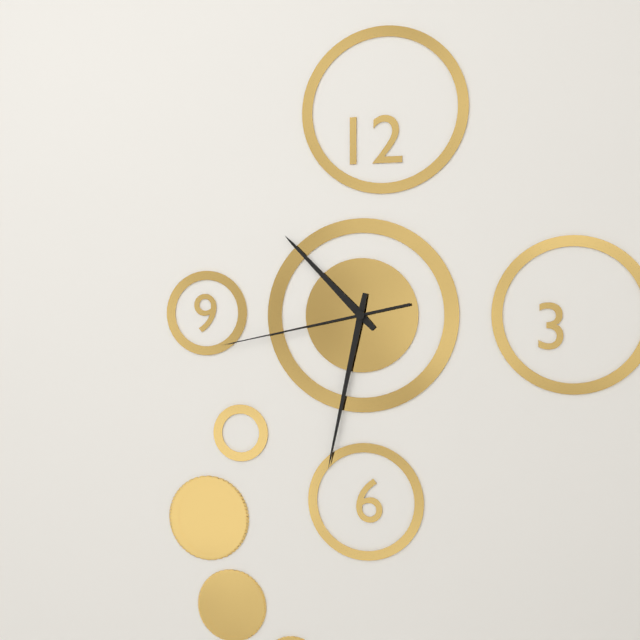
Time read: 10h32m43s
